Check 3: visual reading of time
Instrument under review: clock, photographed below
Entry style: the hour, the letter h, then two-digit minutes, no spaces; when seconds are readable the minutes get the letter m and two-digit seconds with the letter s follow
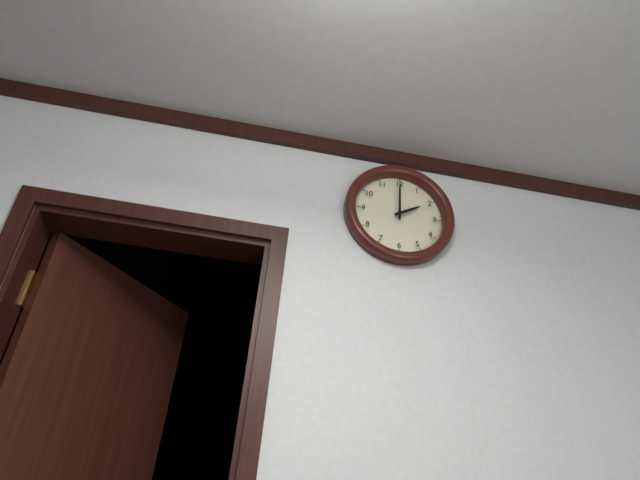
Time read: 2h00
